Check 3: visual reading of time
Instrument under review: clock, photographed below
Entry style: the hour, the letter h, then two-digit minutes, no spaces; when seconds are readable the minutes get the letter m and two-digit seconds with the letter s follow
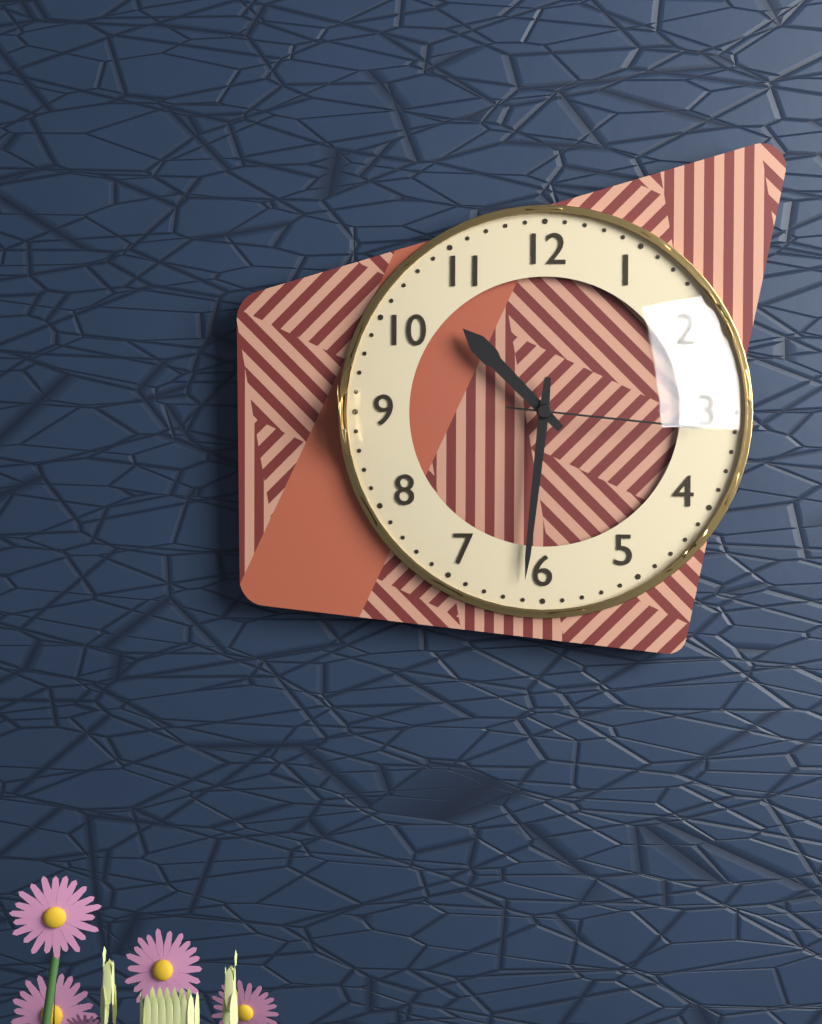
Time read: 10h31m16s
